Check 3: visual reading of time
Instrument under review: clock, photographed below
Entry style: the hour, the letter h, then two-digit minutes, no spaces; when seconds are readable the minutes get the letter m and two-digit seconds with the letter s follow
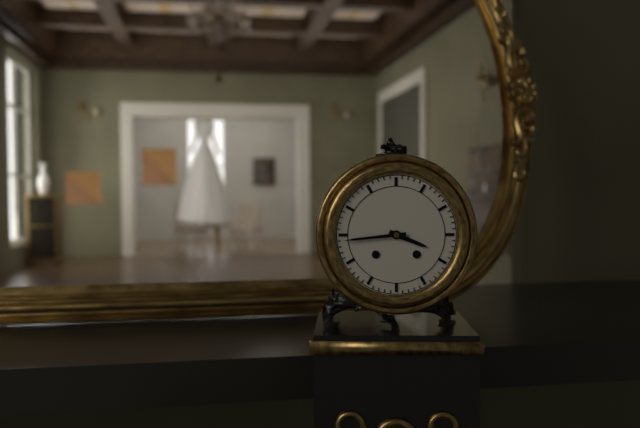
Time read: 3h44
